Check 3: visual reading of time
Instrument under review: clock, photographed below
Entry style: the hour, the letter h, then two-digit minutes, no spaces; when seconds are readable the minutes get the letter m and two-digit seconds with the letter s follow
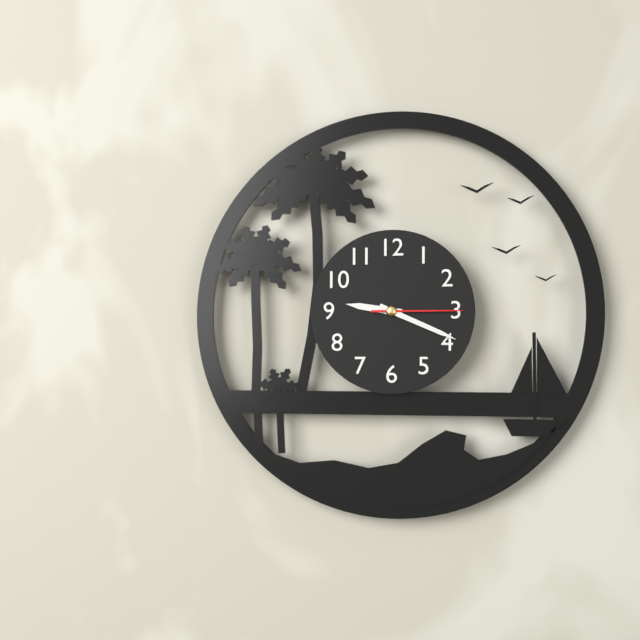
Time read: 9h19m15s
